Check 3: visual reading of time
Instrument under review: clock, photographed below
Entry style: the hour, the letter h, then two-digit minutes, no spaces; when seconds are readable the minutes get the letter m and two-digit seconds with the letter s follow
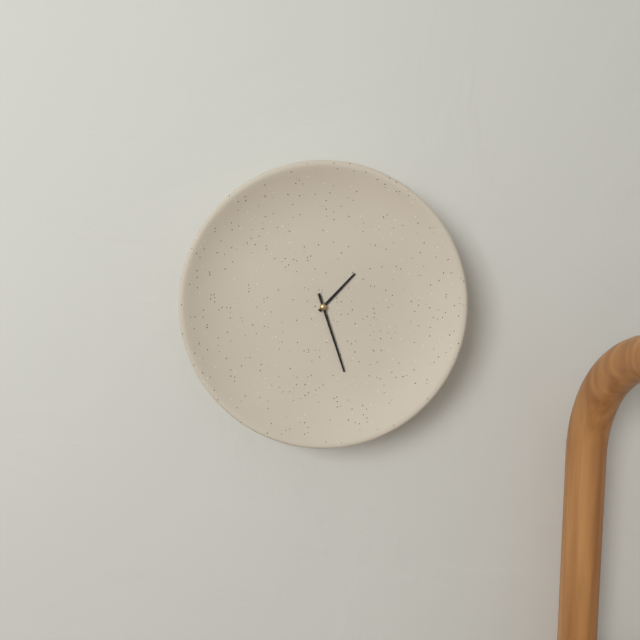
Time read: 1h27
